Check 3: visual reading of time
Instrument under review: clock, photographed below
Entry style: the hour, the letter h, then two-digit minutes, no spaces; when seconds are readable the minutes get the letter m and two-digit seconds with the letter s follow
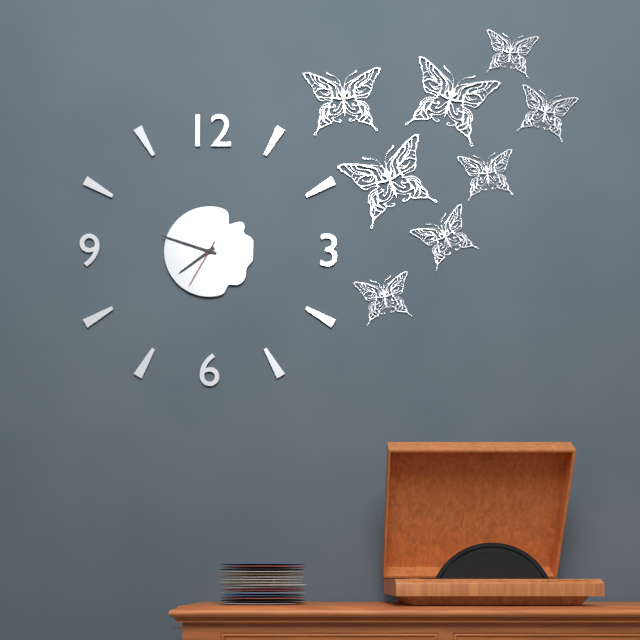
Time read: 7h48m35s
